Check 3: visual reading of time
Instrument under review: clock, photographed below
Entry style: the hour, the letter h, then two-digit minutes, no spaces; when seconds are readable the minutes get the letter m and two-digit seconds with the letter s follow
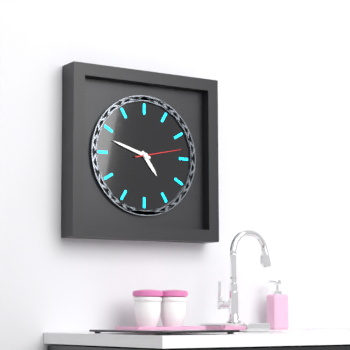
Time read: 4h48
